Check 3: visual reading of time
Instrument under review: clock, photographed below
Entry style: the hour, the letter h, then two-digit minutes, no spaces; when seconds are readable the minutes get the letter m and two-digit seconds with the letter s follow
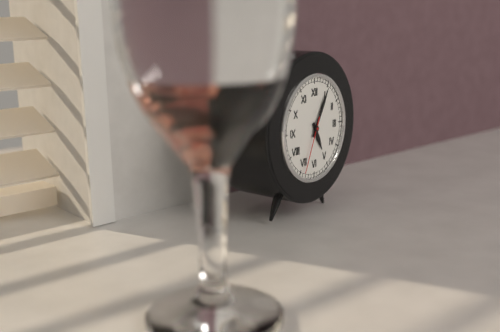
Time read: 5h05m34s
